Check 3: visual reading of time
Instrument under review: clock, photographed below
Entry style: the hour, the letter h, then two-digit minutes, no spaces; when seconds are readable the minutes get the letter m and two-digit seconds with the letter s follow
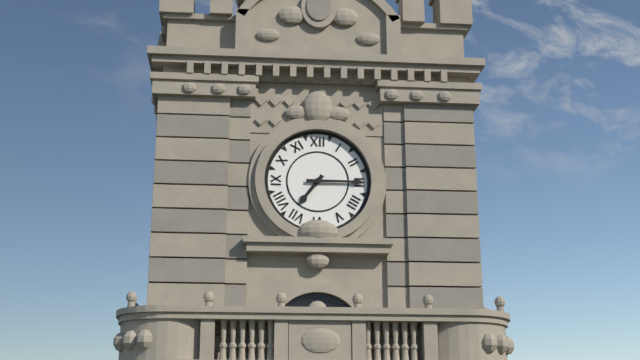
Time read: 7h15
